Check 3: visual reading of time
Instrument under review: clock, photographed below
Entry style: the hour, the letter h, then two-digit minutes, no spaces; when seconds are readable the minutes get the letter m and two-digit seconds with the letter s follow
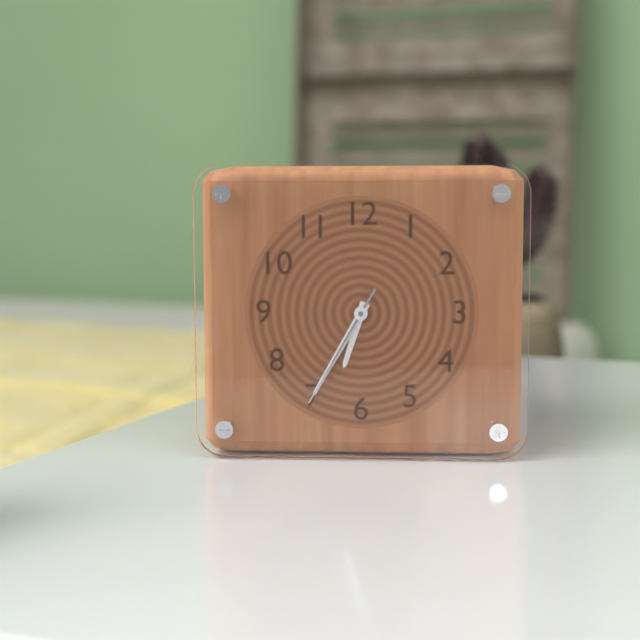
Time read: 6h35m35s
